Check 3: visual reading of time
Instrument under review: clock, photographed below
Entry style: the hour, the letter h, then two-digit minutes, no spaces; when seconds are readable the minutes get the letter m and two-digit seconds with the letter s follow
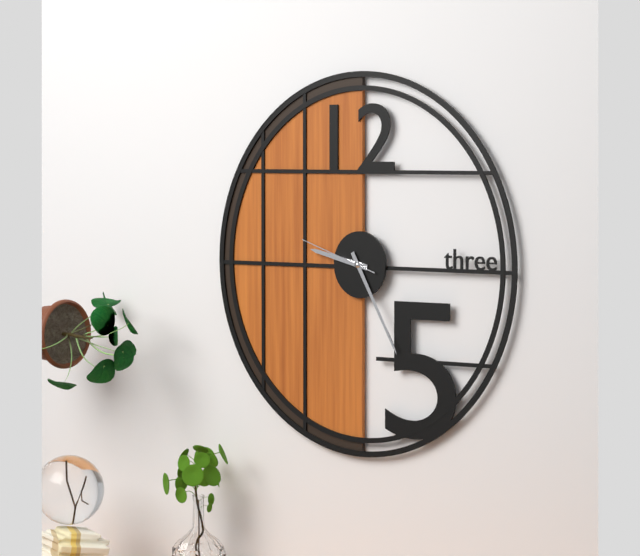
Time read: 9h25m48s
